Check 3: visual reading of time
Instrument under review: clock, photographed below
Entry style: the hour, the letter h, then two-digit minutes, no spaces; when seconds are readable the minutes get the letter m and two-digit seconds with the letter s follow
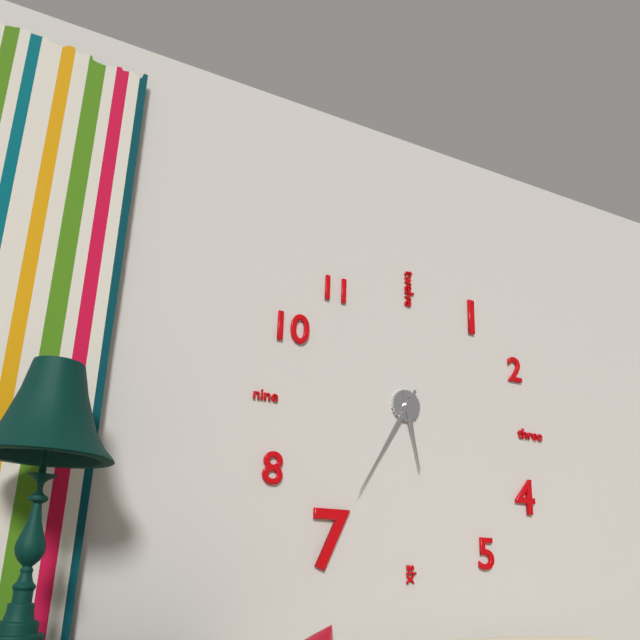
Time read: 5h35
